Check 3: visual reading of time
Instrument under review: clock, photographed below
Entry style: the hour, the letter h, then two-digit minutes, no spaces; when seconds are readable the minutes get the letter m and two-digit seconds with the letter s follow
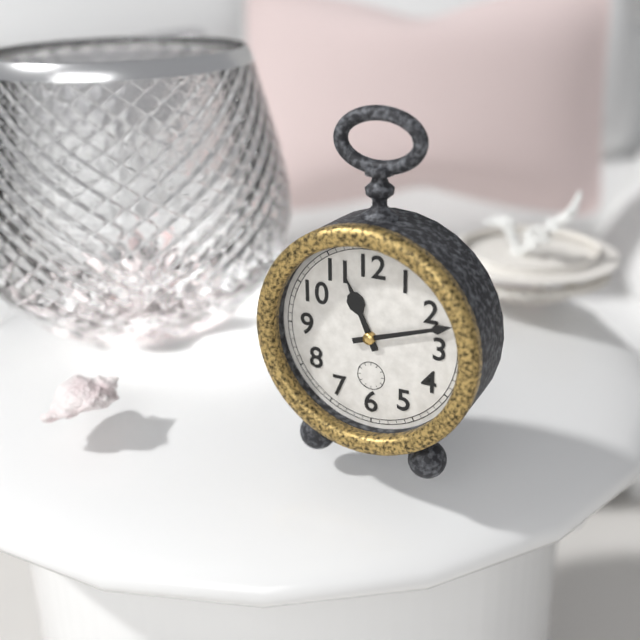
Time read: 11h12
